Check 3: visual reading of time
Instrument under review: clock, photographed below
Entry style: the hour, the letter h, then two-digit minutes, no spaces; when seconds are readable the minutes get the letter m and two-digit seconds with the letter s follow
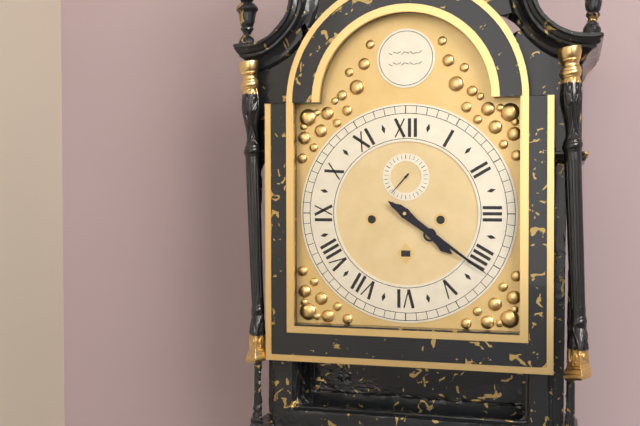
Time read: 4h21
